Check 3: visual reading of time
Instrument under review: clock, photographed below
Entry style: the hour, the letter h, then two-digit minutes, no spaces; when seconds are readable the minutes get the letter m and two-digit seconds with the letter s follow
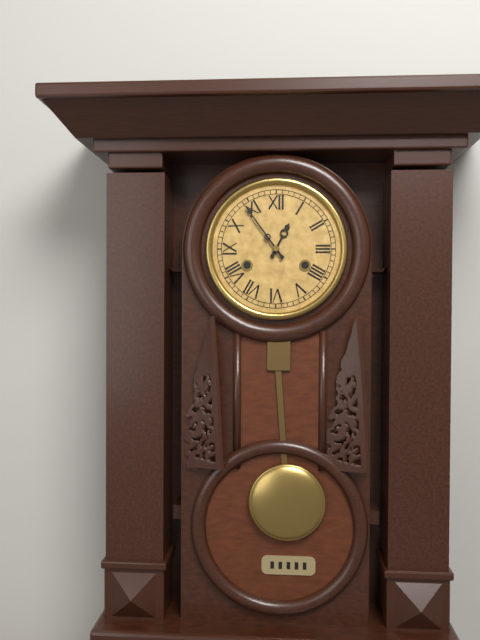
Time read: 12h54
